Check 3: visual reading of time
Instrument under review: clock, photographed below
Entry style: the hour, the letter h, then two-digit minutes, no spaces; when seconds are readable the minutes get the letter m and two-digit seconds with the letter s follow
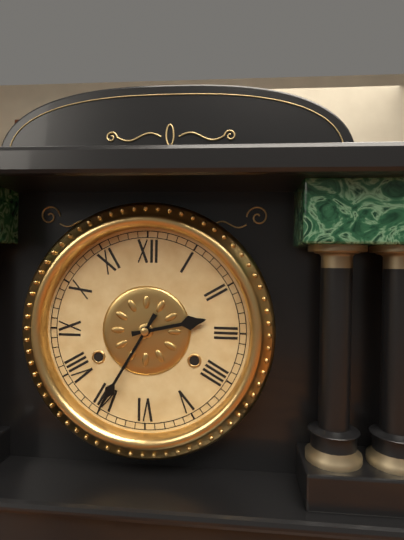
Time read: 2h35
